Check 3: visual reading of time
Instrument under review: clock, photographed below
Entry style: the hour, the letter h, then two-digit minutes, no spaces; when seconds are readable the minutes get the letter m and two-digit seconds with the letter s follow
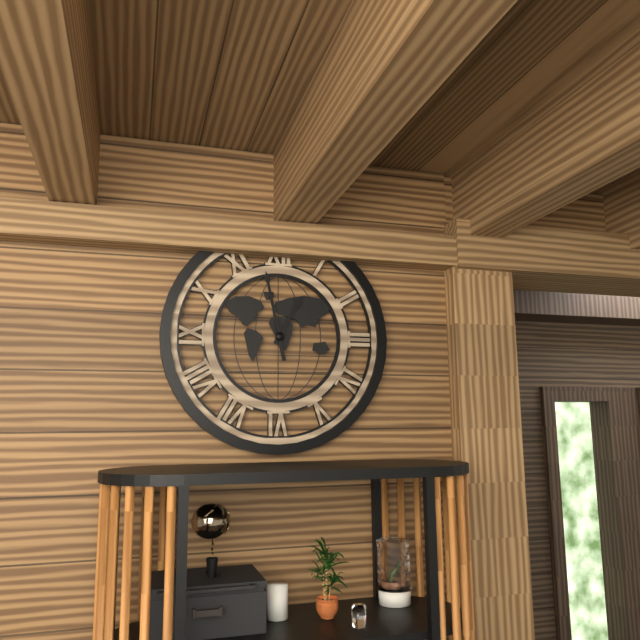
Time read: 12h58
